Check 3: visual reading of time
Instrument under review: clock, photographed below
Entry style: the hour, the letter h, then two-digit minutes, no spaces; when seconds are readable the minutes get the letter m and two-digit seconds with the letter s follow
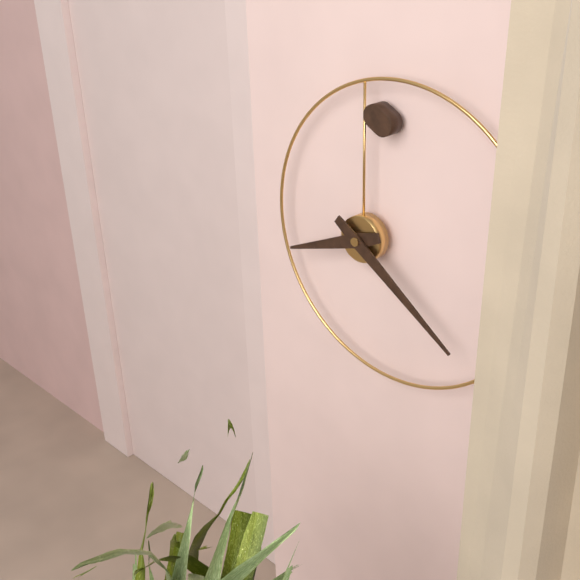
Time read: 8h21
